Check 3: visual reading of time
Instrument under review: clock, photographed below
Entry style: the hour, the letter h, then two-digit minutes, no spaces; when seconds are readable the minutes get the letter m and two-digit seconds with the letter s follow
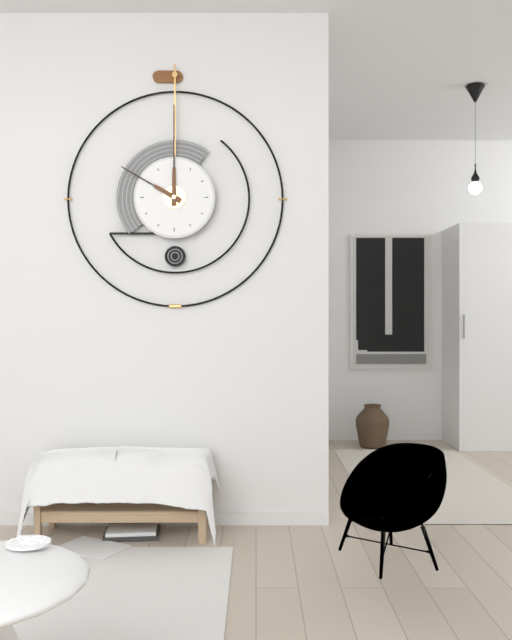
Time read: 10h00
